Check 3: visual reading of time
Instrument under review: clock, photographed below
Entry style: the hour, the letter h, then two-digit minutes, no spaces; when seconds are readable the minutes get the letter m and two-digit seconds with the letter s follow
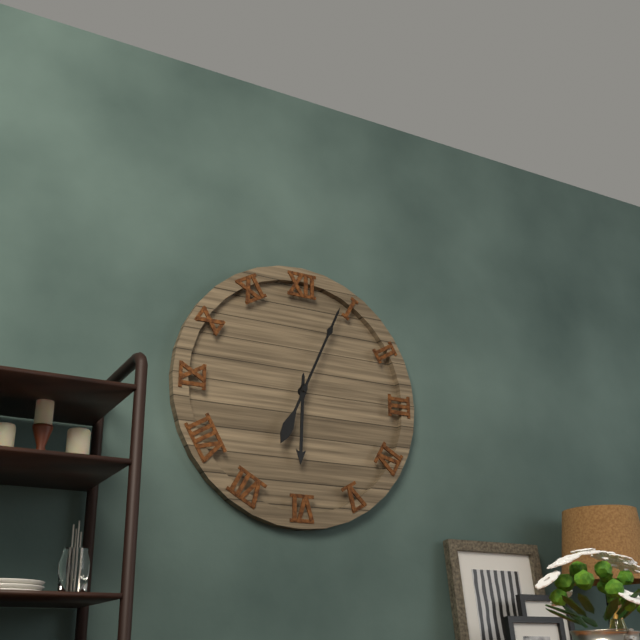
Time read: 6h04
